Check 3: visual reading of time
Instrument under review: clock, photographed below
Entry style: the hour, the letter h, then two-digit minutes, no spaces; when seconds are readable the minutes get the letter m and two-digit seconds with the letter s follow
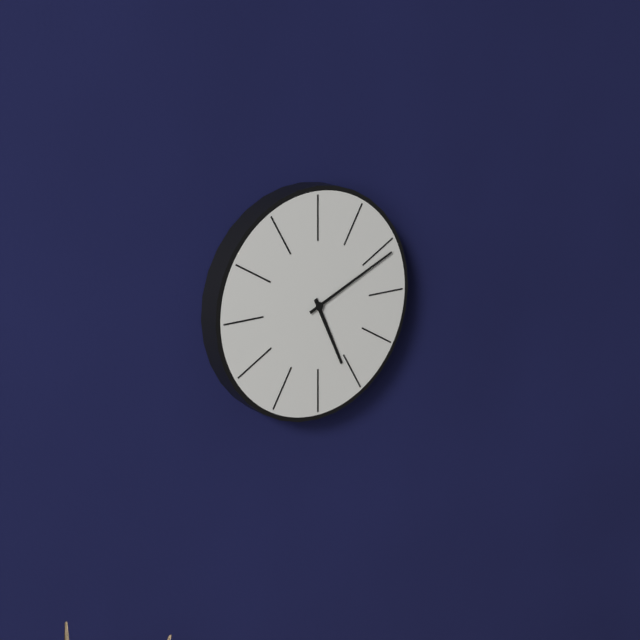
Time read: 5h11
